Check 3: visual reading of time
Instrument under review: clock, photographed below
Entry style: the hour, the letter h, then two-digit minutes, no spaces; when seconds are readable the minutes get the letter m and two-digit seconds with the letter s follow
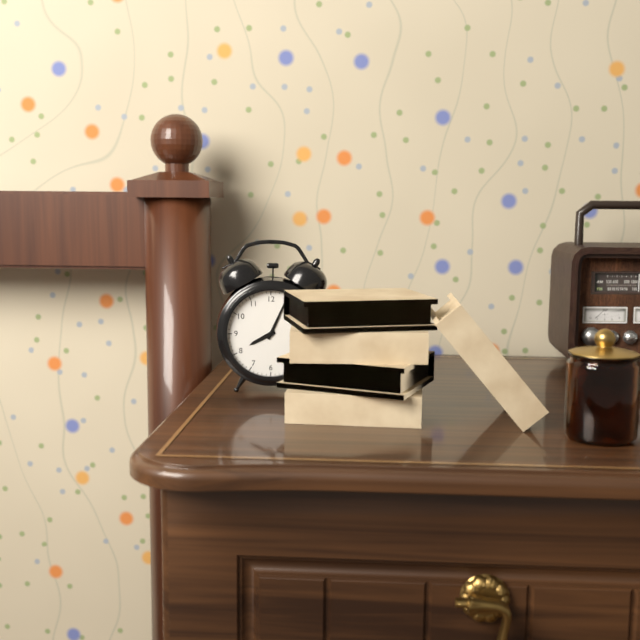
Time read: 8h04
